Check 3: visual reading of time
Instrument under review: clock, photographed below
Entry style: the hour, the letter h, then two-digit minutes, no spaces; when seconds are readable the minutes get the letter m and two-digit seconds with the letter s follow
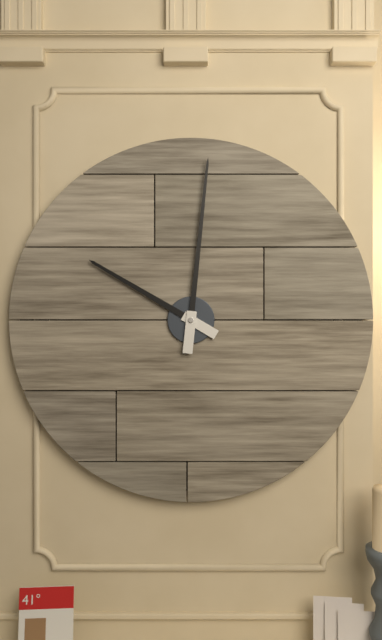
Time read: 10h01
